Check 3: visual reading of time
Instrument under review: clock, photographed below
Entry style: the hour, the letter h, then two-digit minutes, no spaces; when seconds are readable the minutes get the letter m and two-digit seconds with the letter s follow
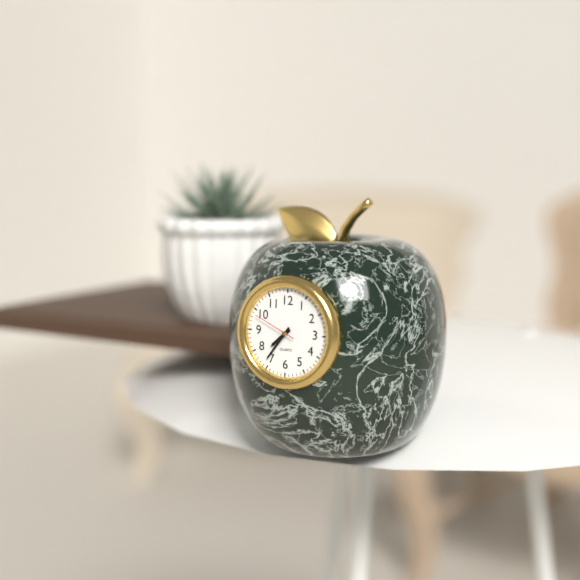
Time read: 7h36
